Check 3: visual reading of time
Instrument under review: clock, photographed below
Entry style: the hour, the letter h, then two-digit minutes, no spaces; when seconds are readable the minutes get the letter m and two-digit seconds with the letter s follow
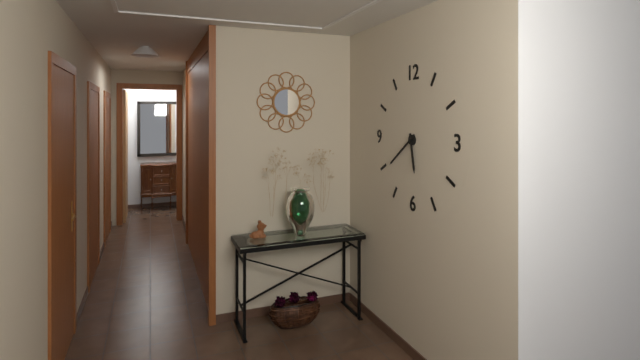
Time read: 5h39
